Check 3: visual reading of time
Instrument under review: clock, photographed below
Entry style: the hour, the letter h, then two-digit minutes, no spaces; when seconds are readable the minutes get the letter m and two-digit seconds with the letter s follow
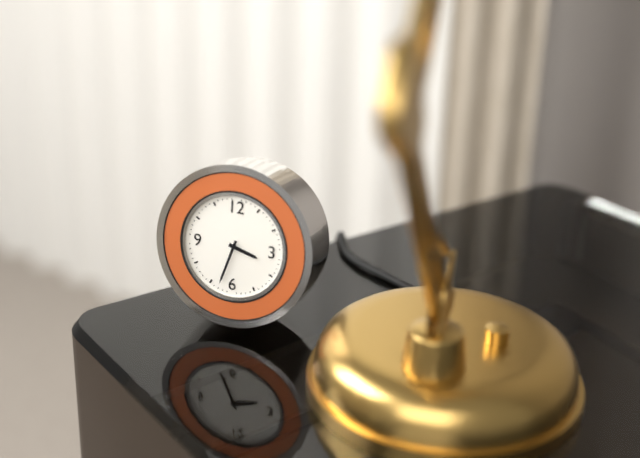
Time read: 3h33
